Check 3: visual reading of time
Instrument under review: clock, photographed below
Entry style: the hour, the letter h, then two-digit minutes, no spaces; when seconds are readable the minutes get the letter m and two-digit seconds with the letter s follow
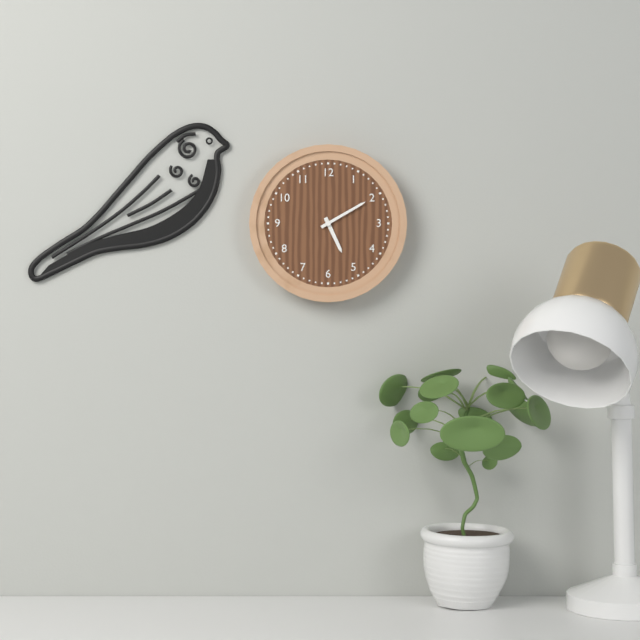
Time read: 5h10
